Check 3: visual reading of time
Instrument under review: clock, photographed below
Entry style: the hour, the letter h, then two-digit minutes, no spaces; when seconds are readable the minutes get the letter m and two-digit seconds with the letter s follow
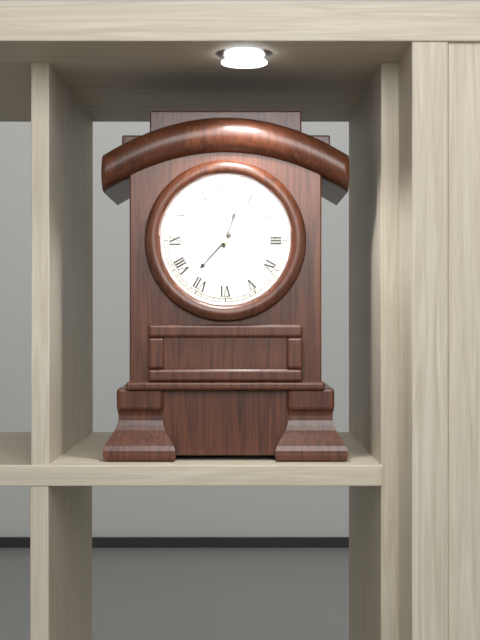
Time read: 12h37
